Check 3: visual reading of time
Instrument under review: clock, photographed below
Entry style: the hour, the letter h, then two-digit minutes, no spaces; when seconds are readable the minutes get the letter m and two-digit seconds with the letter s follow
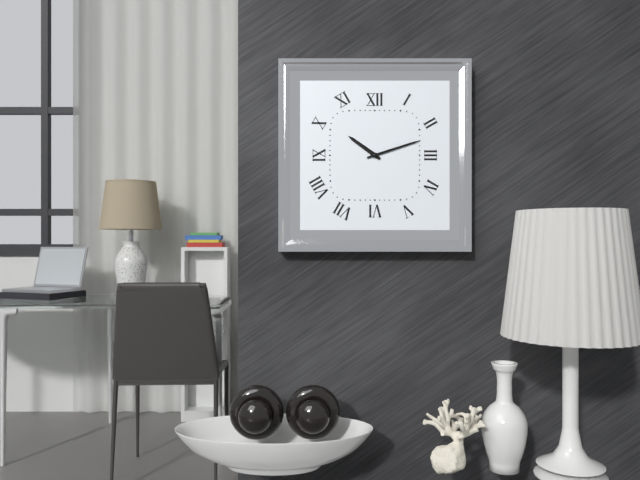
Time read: 10h12
